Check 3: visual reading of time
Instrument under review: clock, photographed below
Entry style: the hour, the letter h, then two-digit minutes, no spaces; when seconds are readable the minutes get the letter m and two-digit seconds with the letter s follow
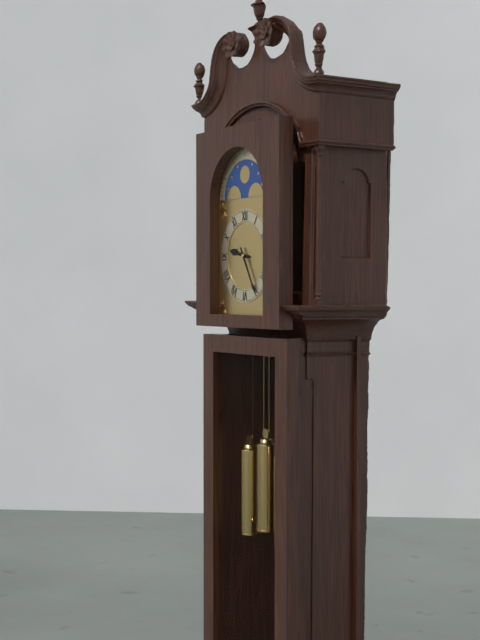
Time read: 9h25
